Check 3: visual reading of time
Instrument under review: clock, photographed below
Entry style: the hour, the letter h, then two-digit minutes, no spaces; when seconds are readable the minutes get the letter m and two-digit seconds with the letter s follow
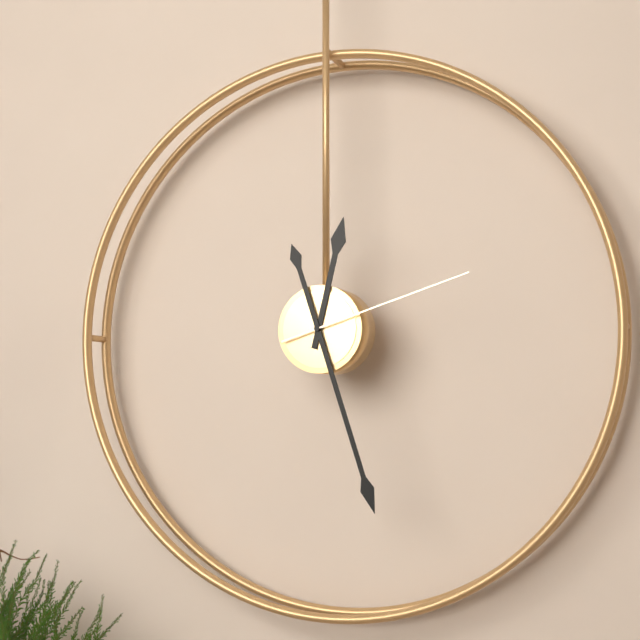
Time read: 12h27m12s
